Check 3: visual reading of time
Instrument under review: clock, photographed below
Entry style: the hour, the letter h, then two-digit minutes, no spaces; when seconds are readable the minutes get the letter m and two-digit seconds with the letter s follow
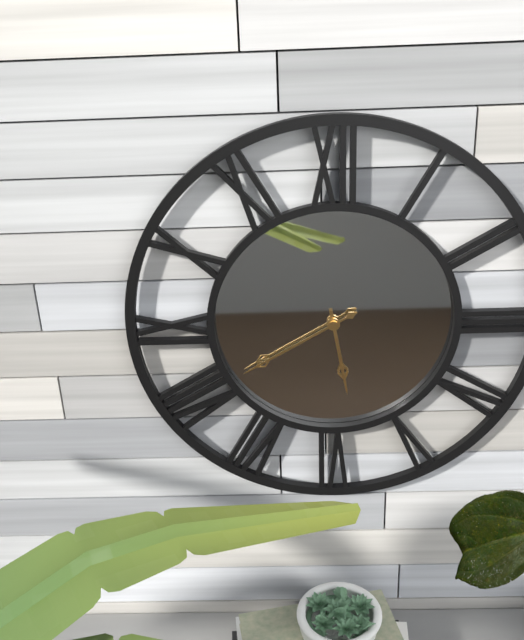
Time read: 5h40
